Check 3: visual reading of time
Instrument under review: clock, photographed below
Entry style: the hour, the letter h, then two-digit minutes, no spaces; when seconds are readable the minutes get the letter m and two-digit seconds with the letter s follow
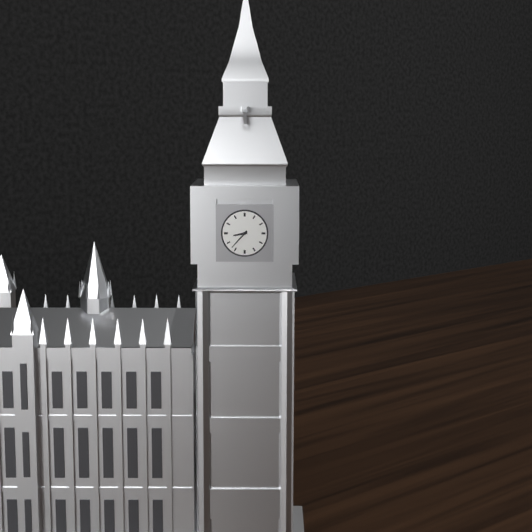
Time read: 8h37
